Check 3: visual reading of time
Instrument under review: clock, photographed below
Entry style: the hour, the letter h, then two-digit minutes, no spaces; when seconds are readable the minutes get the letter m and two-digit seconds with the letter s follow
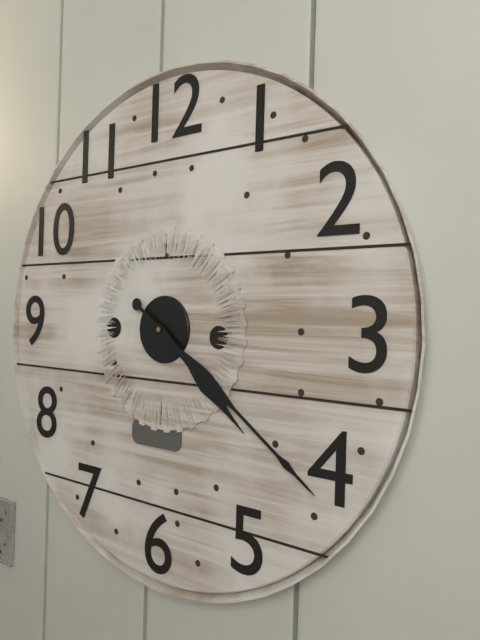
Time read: 4h21
